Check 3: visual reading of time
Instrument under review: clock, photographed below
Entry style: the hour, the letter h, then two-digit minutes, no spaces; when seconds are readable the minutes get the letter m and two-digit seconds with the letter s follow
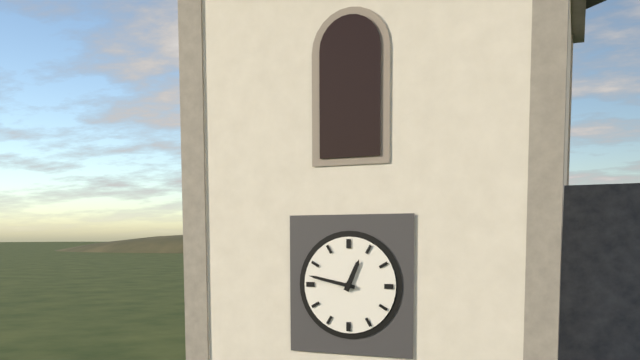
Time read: 12h47
